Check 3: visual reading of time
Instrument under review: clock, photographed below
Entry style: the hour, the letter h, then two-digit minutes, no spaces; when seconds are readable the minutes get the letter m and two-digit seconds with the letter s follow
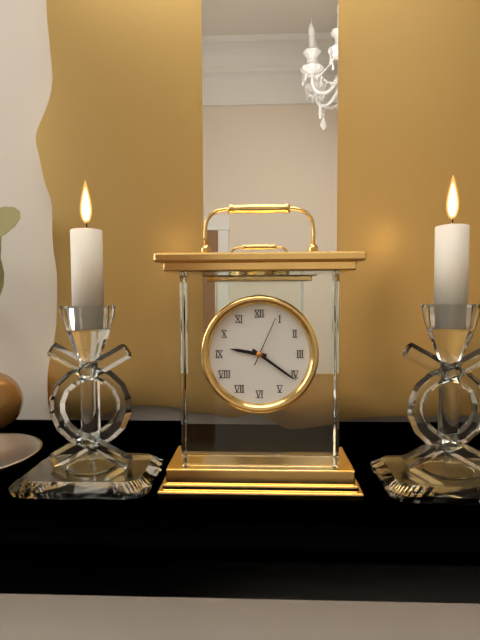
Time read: 9h21
